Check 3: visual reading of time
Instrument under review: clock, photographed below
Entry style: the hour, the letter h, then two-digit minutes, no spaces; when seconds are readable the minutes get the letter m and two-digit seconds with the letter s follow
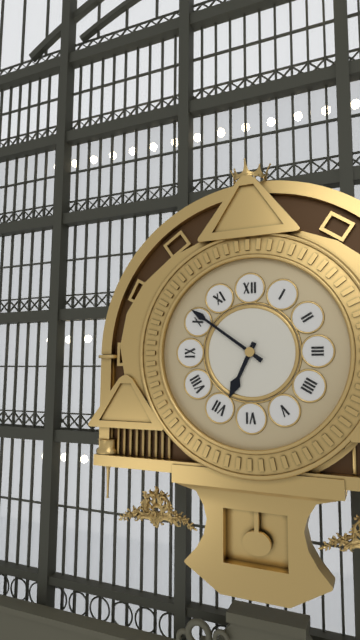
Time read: 6h51
